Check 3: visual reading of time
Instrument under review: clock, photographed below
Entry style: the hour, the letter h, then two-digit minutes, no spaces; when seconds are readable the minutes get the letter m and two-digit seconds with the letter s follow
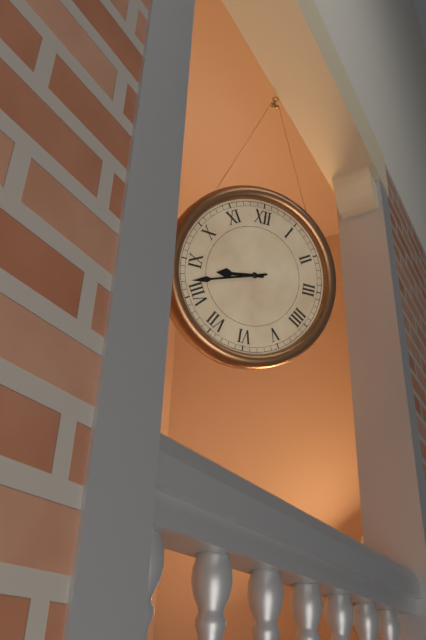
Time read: 8h42
